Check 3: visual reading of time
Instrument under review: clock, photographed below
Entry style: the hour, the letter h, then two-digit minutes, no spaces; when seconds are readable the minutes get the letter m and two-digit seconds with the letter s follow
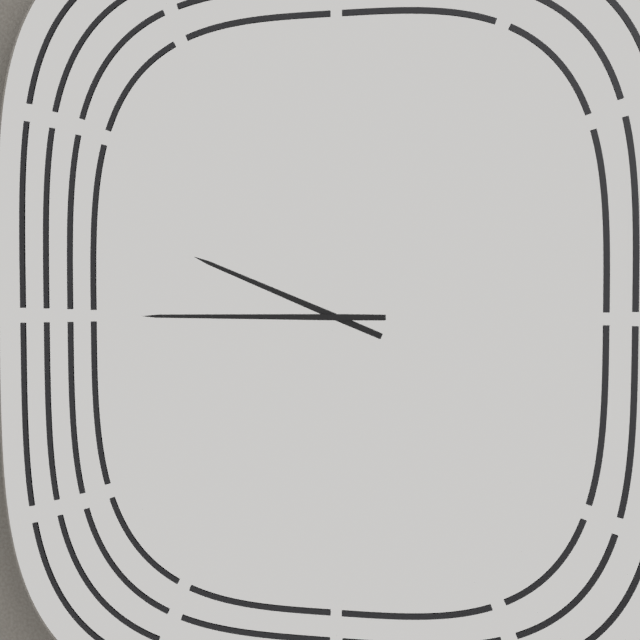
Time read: 9h45
